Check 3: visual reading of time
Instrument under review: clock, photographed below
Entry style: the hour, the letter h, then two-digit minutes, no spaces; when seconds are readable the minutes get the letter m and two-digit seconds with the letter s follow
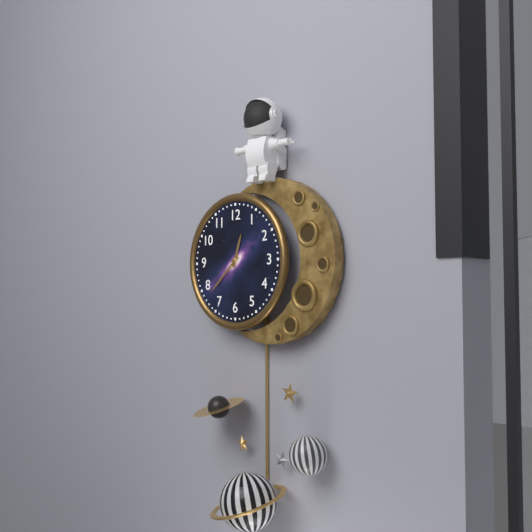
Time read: 12h38
